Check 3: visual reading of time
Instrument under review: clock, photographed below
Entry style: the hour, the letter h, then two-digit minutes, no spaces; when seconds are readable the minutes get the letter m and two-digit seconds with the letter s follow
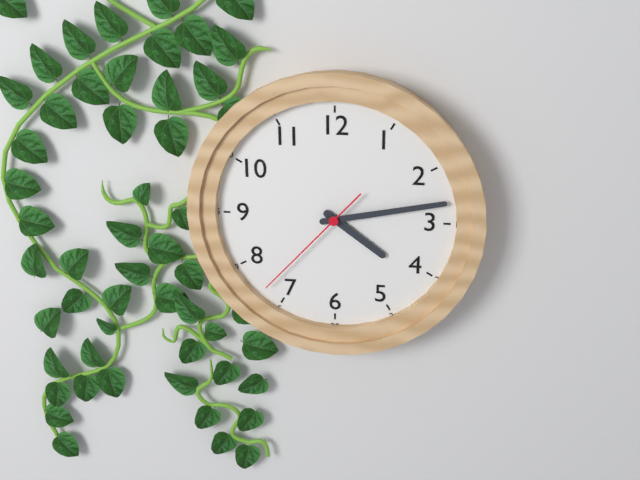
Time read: 4h13m37s
